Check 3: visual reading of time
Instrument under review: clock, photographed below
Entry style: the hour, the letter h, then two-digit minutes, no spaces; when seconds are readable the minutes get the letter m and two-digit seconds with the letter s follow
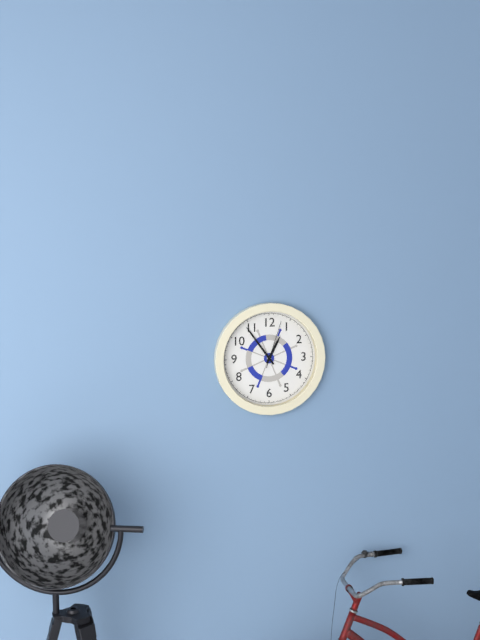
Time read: 12h54
